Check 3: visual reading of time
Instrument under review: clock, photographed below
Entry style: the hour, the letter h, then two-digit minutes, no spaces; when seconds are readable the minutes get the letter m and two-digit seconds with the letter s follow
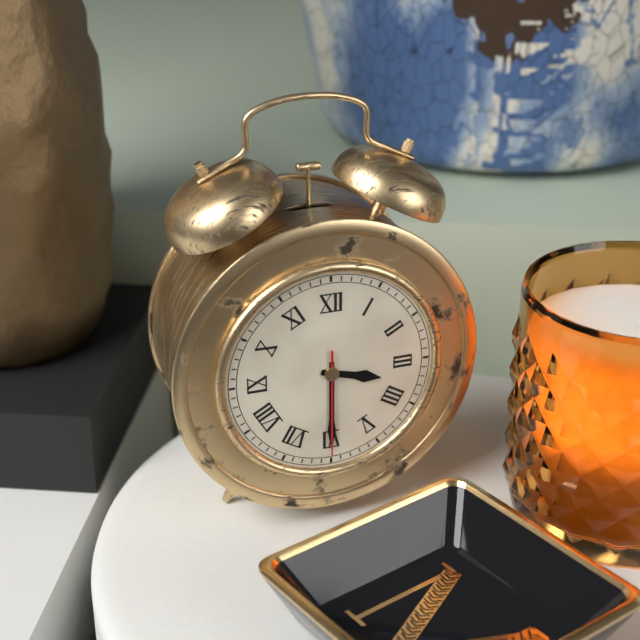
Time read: 3h30m30s
